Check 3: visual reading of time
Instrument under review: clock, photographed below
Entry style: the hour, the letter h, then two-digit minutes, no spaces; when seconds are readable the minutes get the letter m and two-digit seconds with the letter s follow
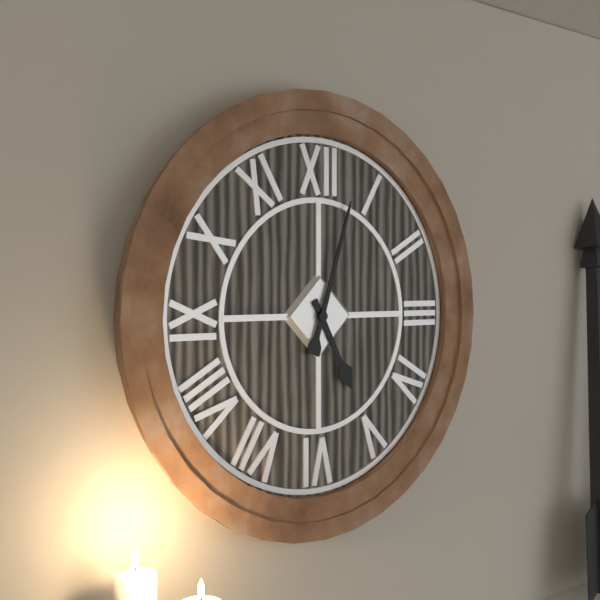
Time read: 5h03
